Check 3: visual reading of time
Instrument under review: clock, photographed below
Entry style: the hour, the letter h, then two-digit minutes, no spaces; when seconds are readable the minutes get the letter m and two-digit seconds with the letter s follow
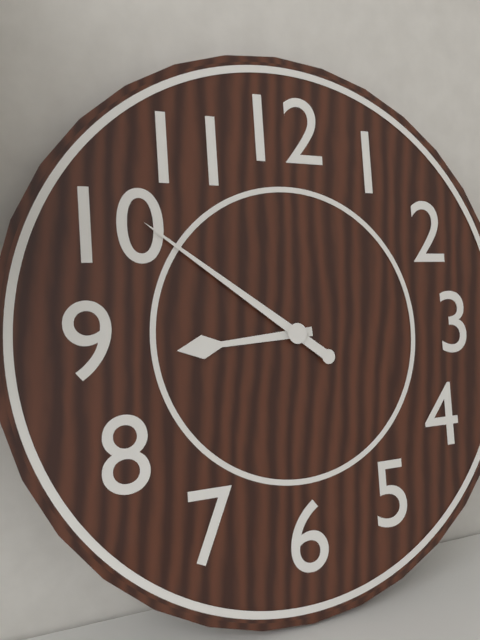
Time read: 8h51
